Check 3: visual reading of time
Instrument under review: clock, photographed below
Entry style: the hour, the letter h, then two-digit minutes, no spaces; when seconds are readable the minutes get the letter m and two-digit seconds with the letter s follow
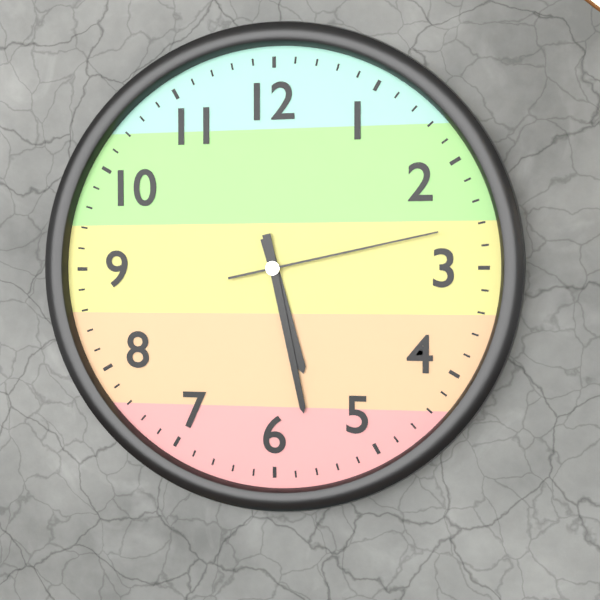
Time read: 5h28m13s
